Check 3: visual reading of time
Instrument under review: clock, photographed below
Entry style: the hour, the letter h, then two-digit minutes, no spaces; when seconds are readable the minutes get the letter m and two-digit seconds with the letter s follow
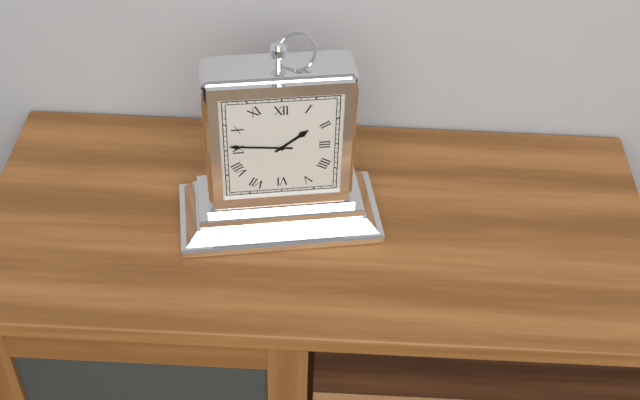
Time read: 1h46
